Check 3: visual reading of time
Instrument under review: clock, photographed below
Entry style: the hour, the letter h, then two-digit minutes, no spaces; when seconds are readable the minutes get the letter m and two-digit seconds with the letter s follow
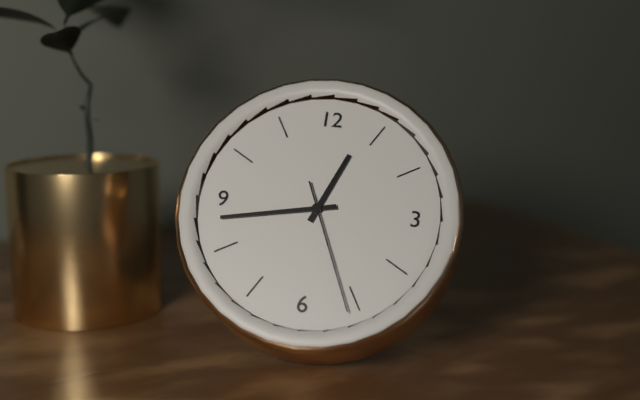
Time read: 12h43m26s
